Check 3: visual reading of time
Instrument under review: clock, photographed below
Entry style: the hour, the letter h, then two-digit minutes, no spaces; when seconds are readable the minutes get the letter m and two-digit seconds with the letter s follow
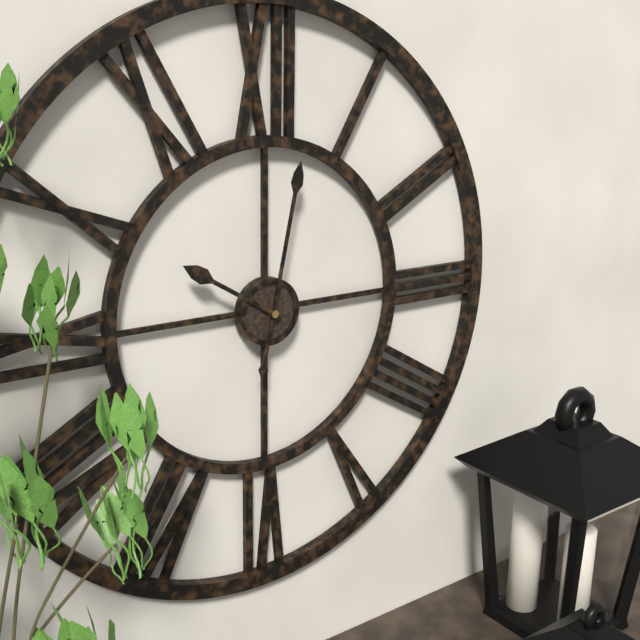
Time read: 10h02
